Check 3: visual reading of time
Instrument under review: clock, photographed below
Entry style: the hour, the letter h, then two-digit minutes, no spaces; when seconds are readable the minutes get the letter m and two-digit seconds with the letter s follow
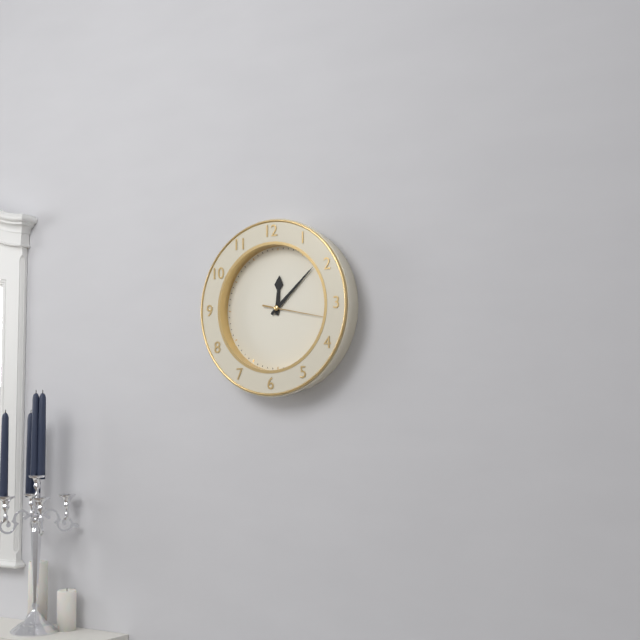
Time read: 12h08m17s
